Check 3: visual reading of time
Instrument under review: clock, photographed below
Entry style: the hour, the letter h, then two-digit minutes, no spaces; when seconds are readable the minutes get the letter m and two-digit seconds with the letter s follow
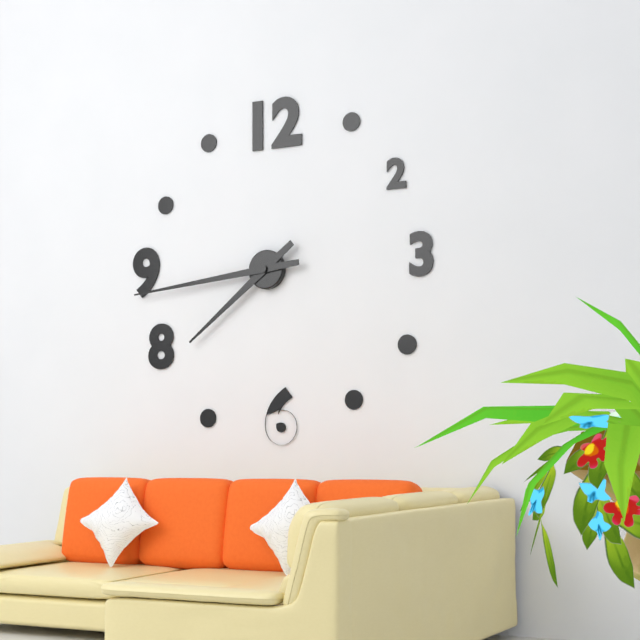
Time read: 7h44
